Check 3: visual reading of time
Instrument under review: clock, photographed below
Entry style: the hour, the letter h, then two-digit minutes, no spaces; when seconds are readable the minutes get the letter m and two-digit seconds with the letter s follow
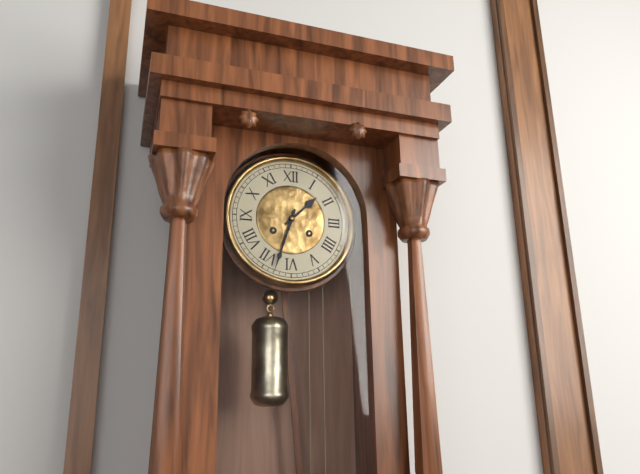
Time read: 1h33
